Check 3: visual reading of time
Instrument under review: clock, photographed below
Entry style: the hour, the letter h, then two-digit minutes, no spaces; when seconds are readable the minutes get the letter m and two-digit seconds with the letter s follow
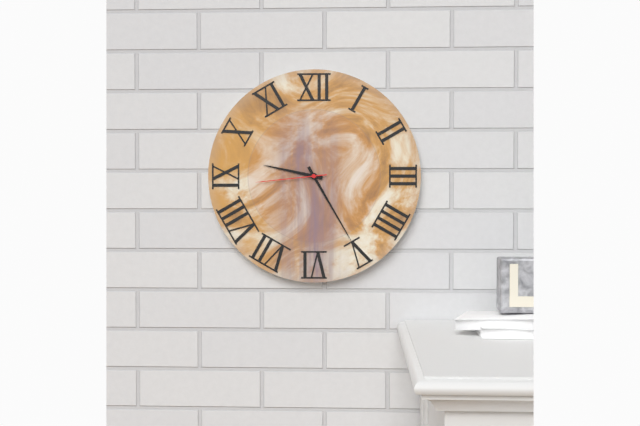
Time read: 9h25m44s
